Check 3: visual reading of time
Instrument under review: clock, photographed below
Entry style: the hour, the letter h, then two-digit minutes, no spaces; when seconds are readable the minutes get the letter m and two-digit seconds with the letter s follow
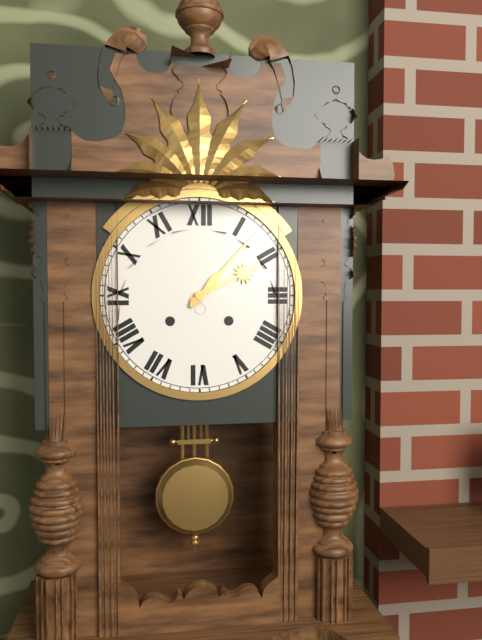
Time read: 2h07
